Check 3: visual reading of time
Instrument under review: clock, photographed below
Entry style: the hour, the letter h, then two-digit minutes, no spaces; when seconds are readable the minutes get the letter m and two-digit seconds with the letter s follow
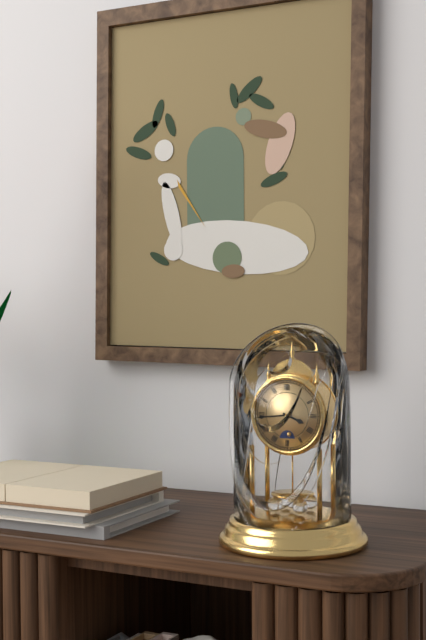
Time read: 3h44
